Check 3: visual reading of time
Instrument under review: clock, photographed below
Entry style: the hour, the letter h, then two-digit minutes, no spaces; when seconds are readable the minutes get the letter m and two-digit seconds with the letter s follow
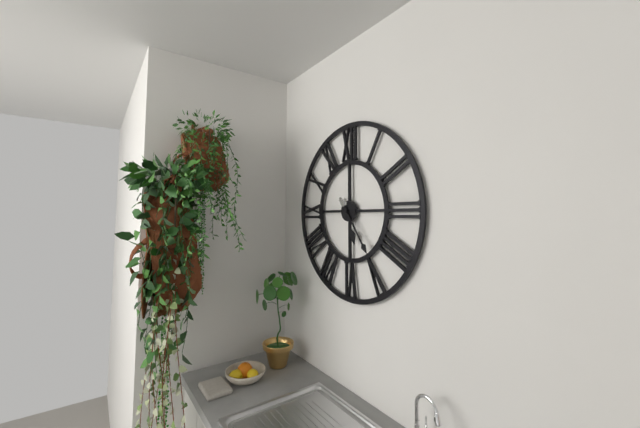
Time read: 5h24
